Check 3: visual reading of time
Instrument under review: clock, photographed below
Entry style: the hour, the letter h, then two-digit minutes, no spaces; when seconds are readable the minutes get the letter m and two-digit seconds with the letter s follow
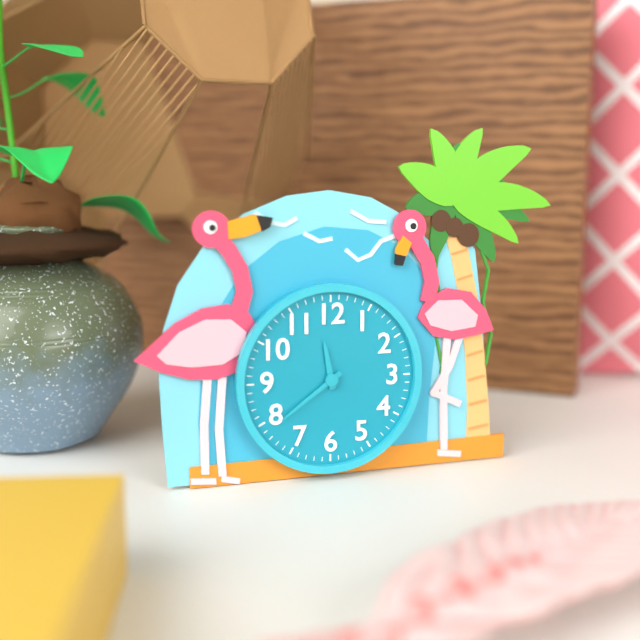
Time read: 11h39
